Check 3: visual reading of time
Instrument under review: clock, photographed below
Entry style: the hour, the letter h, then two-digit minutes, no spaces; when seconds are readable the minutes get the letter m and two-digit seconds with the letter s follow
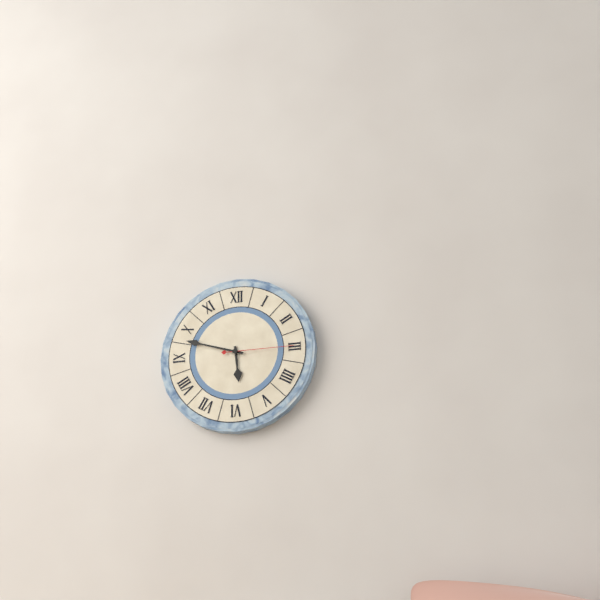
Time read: 5h48m15s
